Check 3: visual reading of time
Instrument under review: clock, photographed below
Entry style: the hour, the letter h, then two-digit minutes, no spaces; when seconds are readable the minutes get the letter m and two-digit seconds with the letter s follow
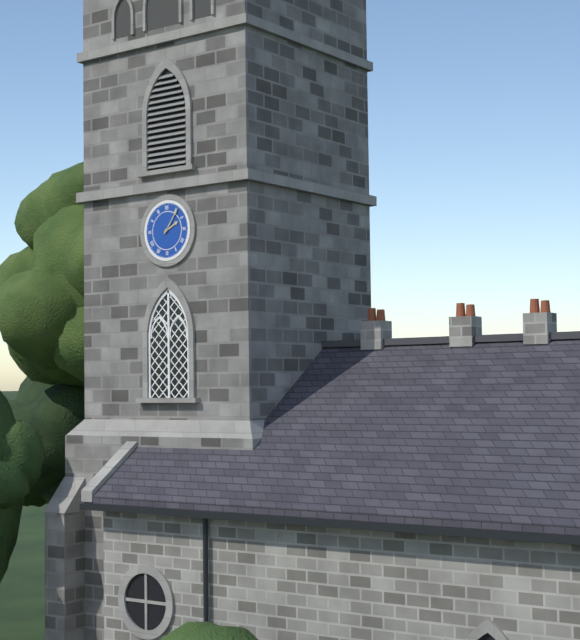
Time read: 2h06
